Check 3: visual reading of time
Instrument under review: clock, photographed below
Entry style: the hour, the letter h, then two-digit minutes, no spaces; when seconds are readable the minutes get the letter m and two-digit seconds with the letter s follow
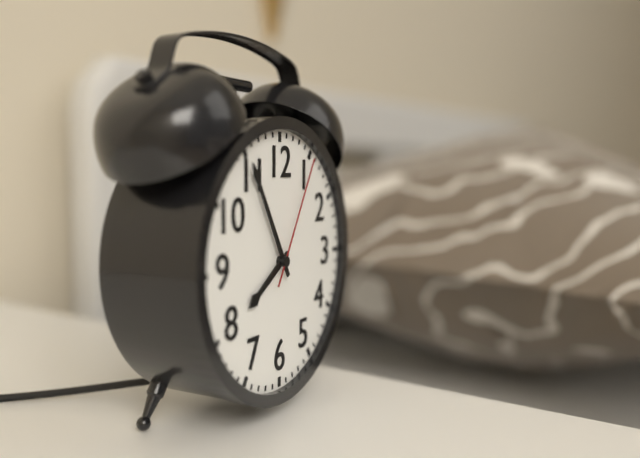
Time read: 7h55m05s
